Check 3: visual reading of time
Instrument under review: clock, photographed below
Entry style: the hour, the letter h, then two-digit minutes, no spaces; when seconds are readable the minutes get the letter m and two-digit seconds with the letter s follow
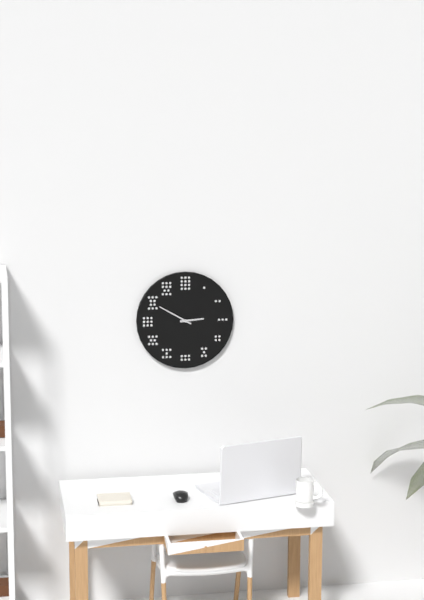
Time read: 2h50
